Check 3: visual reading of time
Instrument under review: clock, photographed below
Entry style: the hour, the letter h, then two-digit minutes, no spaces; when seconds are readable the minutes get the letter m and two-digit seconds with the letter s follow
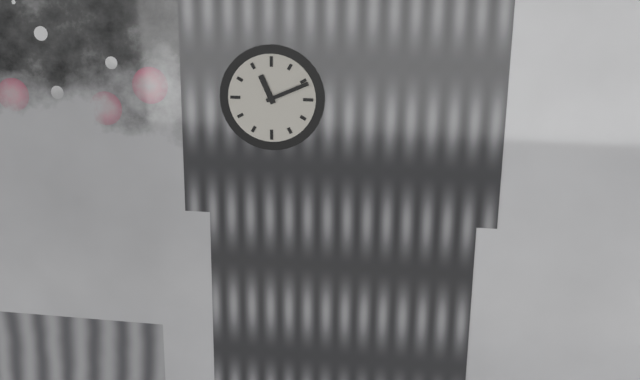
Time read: 11h11
